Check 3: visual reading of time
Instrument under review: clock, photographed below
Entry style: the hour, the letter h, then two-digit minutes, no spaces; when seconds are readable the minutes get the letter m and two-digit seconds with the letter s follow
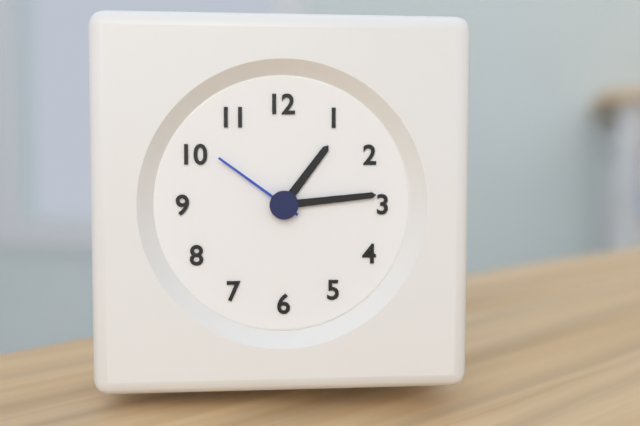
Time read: 1h14m51s
